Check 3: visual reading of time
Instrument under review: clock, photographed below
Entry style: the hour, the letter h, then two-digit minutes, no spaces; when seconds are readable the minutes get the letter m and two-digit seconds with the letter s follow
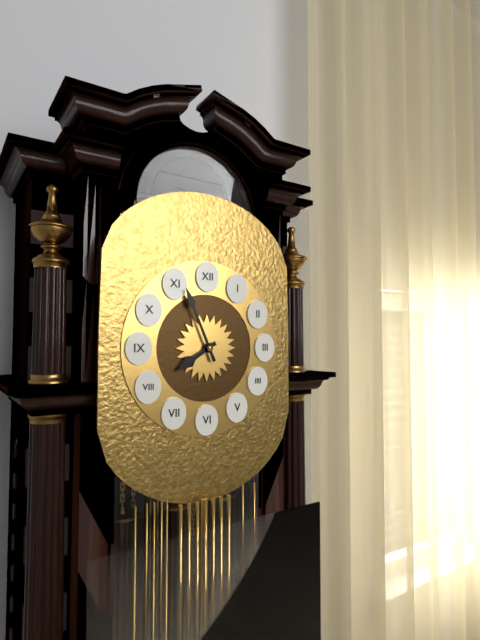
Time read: 7h56
